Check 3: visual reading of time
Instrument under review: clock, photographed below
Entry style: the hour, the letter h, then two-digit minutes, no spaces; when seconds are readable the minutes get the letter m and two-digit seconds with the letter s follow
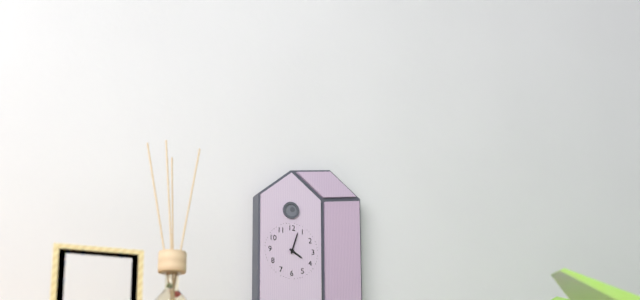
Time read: 4h03
